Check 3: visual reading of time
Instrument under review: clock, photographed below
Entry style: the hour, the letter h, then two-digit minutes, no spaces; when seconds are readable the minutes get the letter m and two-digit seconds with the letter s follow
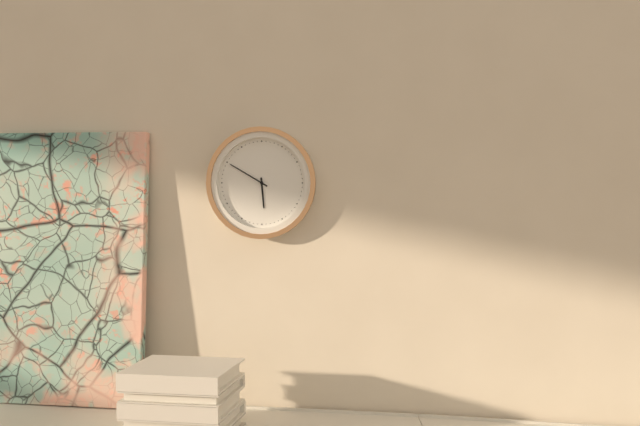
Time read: 5h50
